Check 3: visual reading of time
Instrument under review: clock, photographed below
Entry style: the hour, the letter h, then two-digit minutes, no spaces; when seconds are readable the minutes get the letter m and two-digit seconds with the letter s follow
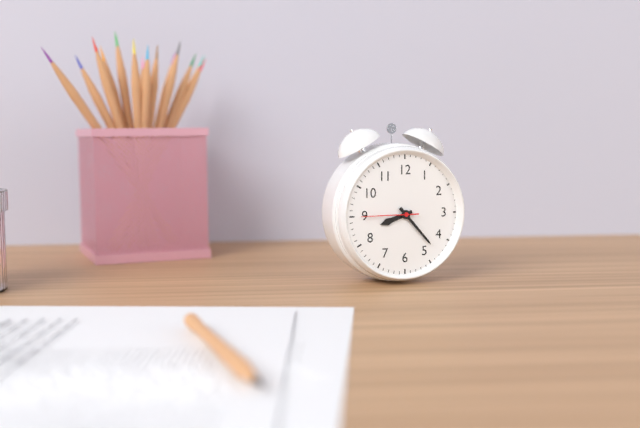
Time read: 8h23m45s
